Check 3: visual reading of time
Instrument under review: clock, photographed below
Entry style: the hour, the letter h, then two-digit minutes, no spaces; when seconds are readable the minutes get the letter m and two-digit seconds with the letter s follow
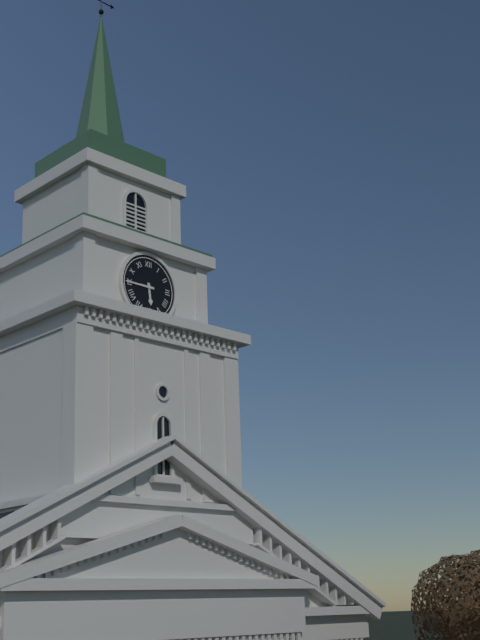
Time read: 5h45
